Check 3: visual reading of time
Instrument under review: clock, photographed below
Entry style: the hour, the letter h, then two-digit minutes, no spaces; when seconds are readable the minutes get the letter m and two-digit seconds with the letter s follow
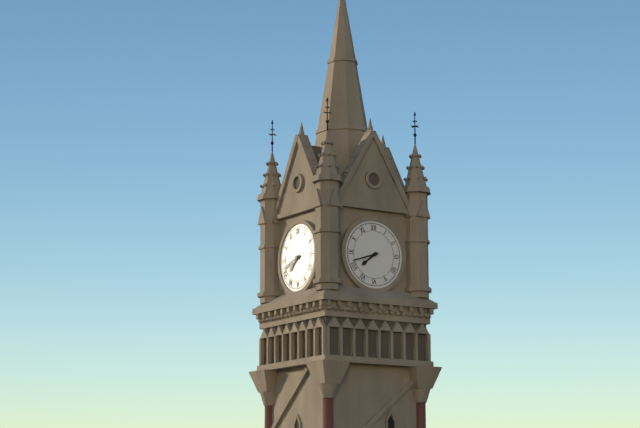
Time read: 7h42
